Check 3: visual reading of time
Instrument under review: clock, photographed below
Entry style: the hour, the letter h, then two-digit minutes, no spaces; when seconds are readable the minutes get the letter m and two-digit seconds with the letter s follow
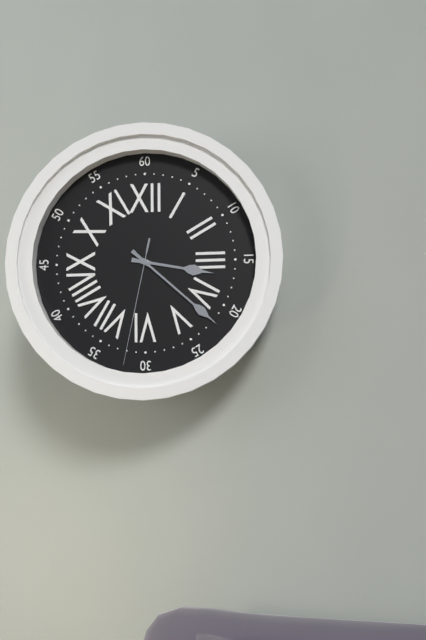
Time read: 3h22m32s
